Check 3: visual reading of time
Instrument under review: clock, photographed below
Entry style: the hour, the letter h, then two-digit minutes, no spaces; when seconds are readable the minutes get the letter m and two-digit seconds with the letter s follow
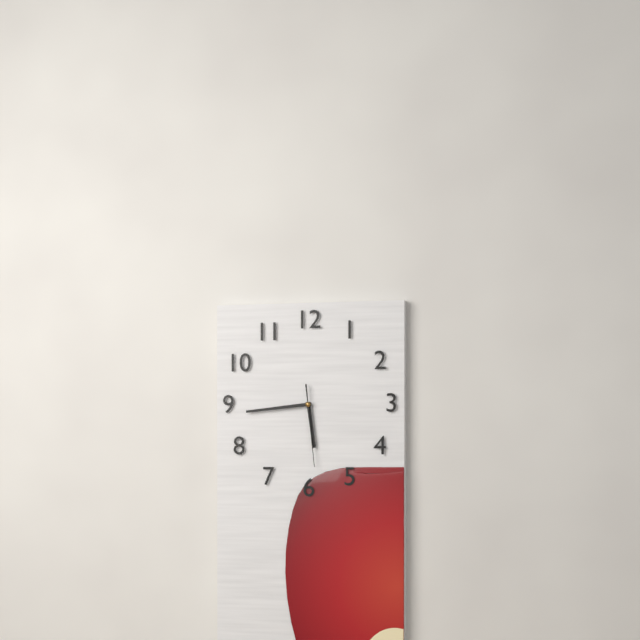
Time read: 5h44m29s
